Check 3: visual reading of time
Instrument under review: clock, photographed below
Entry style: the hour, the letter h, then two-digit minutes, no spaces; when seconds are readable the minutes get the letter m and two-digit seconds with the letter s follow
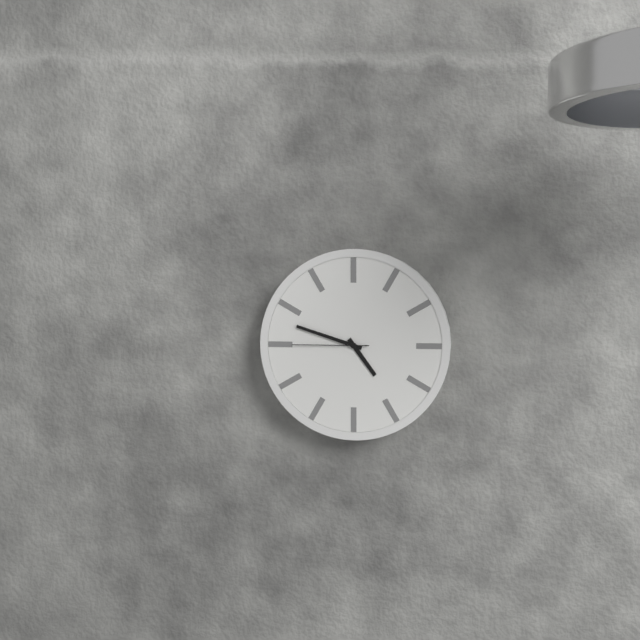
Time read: 4h48m45s
